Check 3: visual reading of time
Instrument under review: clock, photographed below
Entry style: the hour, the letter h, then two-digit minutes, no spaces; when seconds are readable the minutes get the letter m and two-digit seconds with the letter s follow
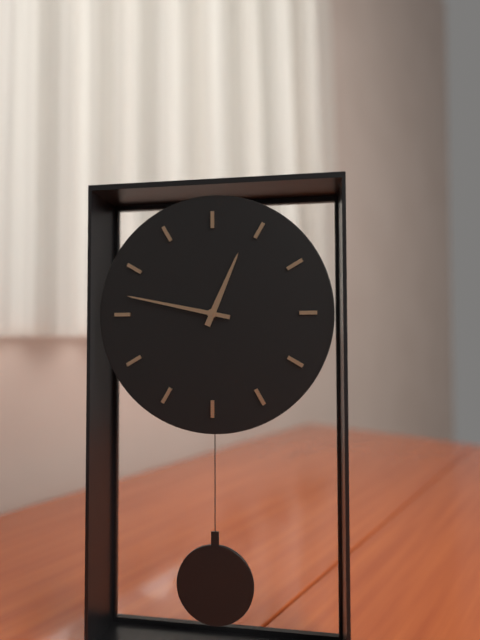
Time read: 12h47
